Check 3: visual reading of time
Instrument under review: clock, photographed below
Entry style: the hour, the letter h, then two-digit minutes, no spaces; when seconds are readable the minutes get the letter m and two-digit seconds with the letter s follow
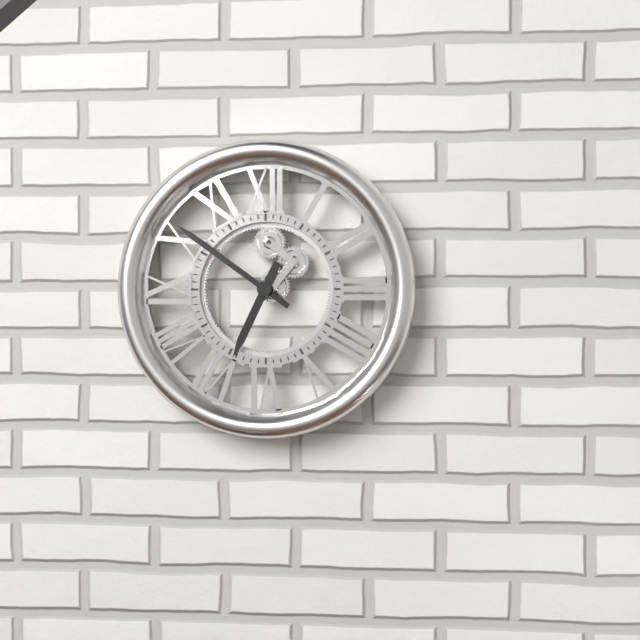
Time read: 6h51
